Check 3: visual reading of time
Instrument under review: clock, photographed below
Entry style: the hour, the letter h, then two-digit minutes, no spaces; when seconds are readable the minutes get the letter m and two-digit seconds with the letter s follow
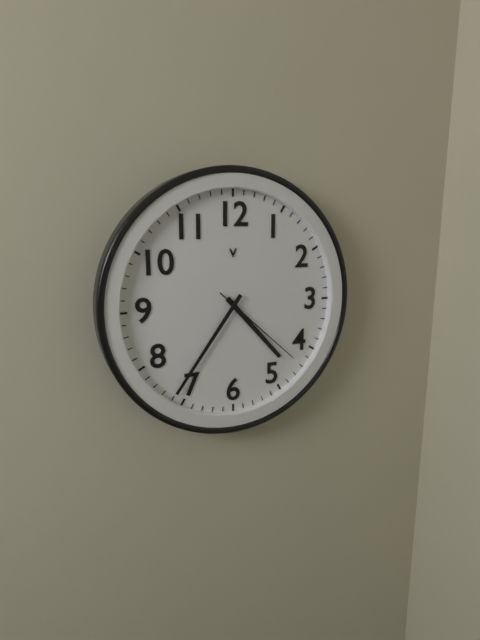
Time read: 4h36m22s
